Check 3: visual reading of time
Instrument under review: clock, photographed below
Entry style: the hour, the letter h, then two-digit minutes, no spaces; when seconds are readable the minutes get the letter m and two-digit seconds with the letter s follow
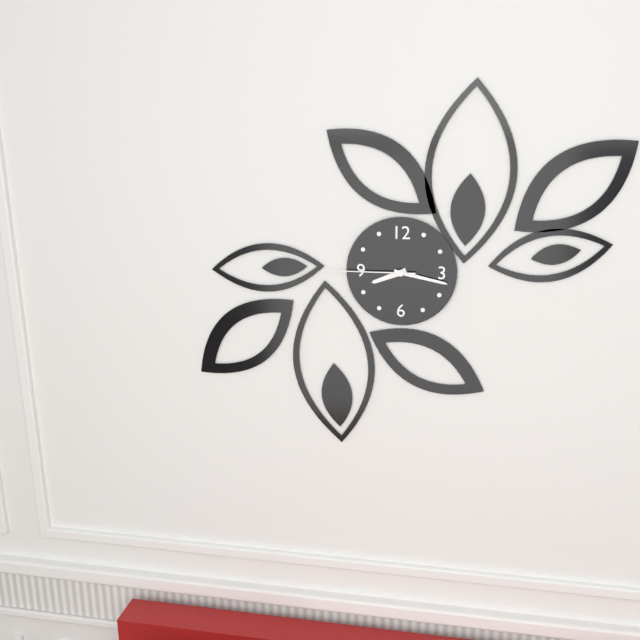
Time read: 8h17m45s
